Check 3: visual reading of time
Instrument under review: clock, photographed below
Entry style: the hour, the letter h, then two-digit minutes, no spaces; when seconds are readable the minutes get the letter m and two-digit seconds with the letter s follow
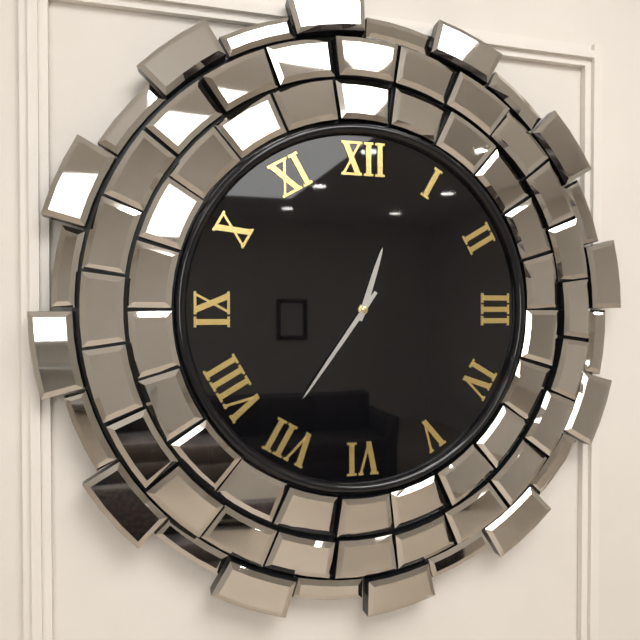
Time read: 12h36
